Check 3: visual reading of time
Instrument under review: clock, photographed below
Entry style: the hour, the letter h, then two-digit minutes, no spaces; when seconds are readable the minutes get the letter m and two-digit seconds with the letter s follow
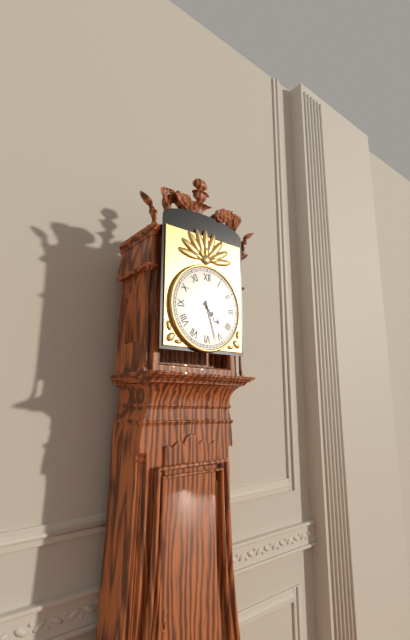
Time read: 4h27
